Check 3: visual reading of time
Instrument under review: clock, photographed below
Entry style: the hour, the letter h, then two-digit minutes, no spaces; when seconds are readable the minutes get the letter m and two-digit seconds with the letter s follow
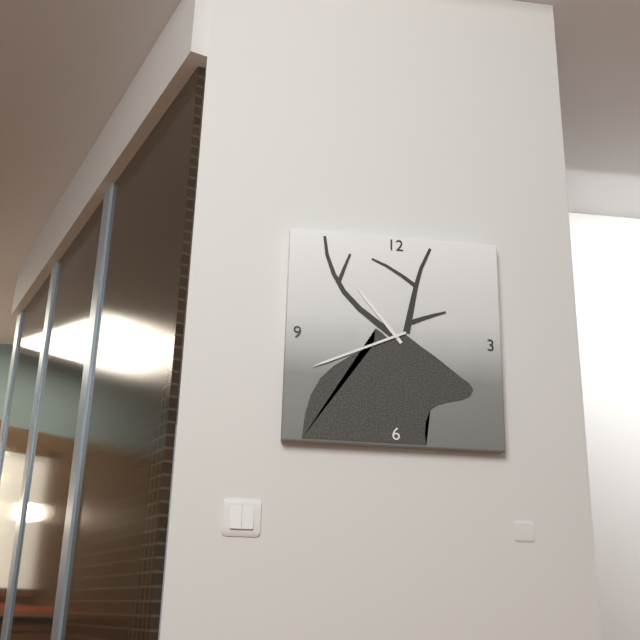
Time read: 10h41
